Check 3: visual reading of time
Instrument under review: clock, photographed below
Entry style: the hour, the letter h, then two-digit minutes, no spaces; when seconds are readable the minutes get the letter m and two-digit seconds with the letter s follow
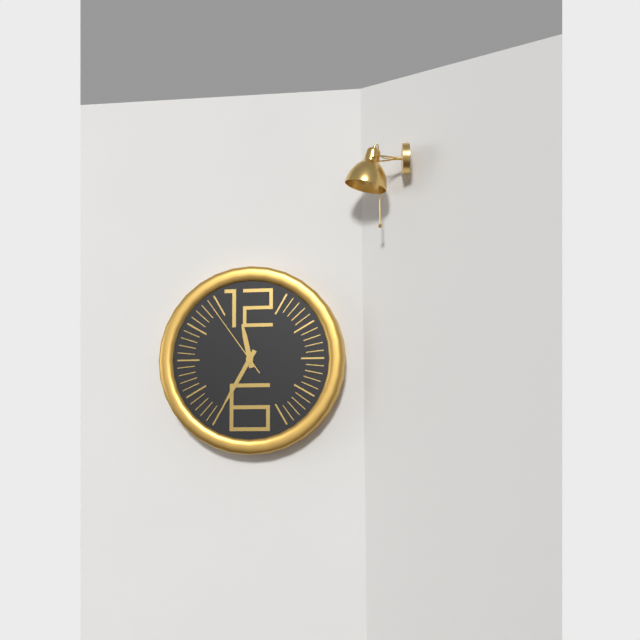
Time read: 11h35m54s
